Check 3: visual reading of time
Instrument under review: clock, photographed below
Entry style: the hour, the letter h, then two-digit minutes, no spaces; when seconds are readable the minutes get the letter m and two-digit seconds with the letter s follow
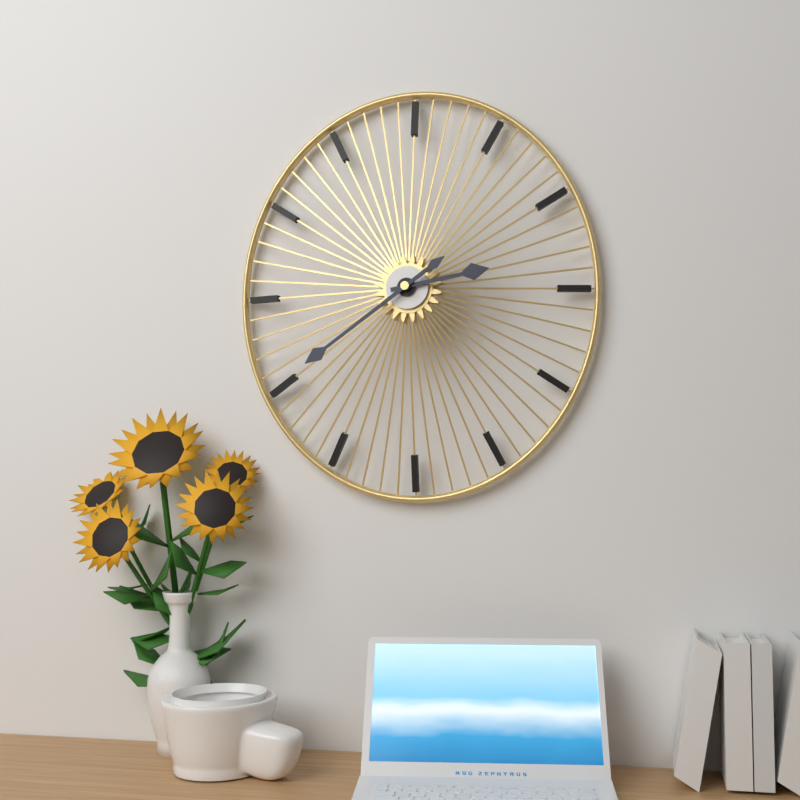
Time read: 2h39
